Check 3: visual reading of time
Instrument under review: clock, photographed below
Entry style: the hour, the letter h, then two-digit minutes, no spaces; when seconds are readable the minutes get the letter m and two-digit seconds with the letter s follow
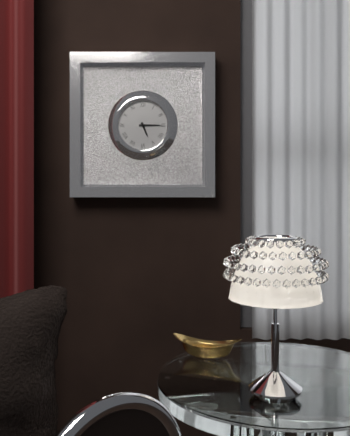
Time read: 5h15
